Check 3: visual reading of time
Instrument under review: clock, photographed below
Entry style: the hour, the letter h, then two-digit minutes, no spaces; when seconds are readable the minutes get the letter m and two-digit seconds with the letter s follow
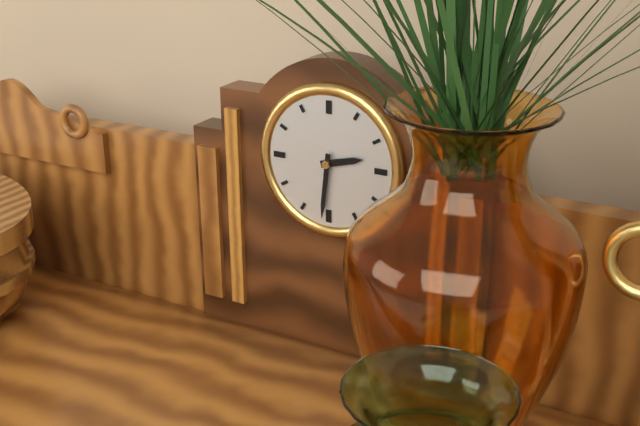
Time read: 2h31
